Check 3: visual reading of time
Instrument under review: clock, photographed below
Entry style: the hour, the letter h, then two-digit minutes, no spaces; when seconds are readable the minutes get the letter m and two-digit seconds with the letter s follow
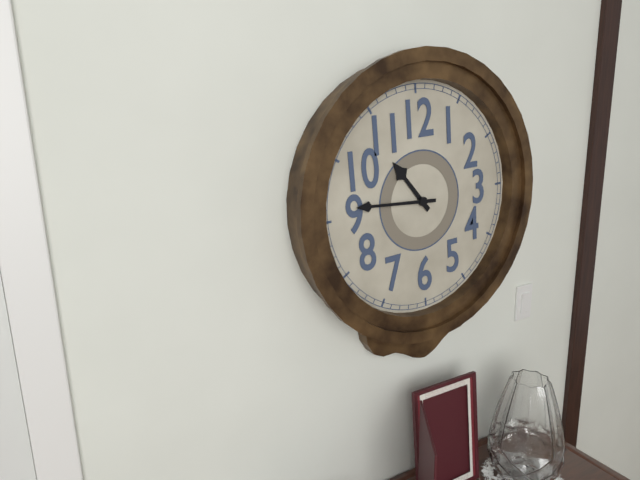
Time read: 10h46
